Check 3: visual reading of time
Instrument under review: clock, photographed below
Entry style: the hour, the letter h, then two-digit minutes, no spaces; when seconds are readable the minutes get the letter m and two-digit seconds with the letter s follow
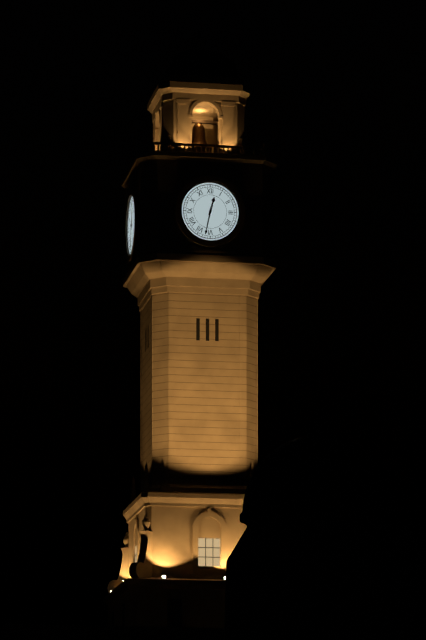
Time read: 12h32
